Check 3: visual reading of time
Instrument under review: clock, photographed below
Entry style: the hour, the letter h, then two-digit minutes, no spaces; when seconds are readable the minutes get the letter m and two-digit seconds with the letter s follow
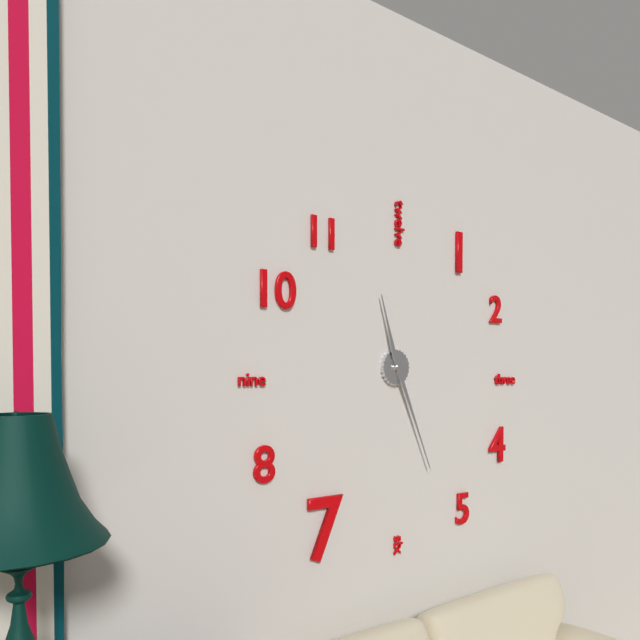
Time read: 11h26
